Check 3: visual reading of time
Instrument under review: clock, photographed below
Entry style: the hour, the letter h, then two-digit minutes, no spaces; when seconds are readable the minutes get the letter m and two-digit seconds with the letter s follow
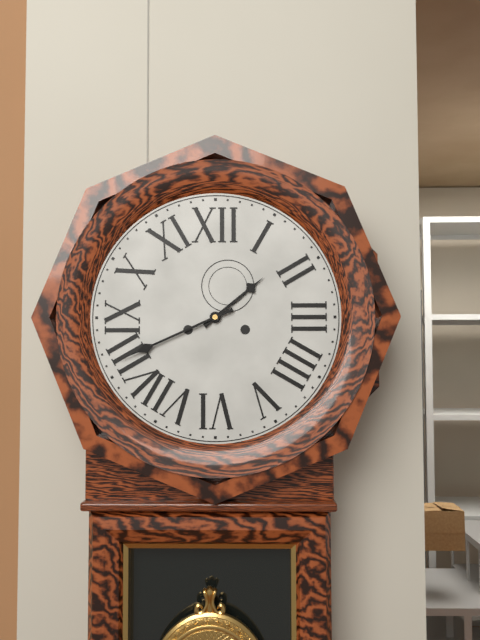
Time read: 1h41
